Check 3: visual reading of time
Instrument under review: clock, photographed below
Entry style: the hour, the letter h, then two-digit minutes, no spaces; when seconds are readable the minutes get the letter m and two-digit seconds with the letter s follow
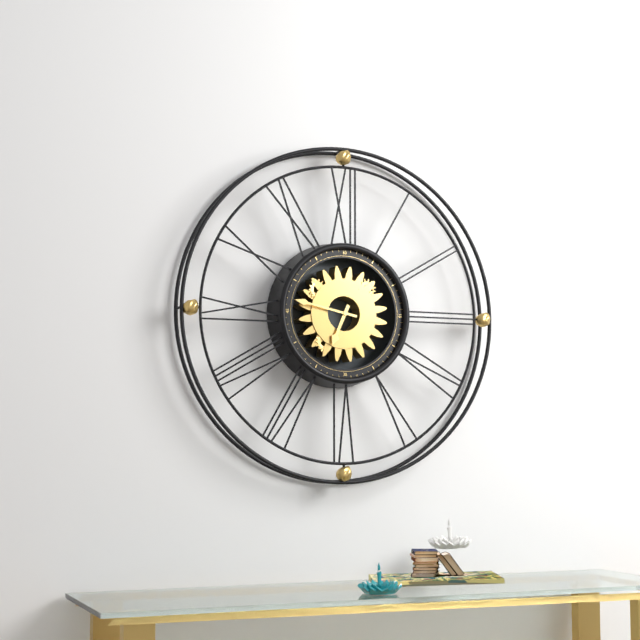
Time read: 6h47
